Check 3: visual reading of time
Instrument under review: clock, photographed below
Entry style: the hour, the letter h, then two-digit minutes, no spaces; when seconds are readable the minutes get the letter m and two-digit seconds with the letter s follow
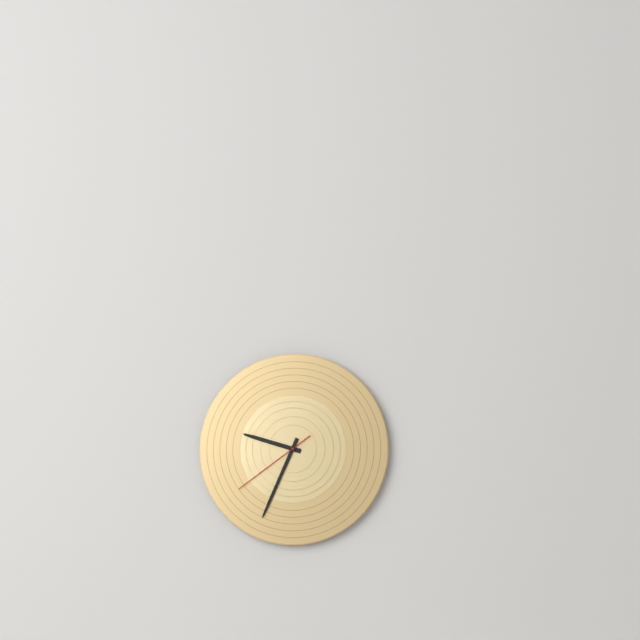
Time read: 9h34m39s
